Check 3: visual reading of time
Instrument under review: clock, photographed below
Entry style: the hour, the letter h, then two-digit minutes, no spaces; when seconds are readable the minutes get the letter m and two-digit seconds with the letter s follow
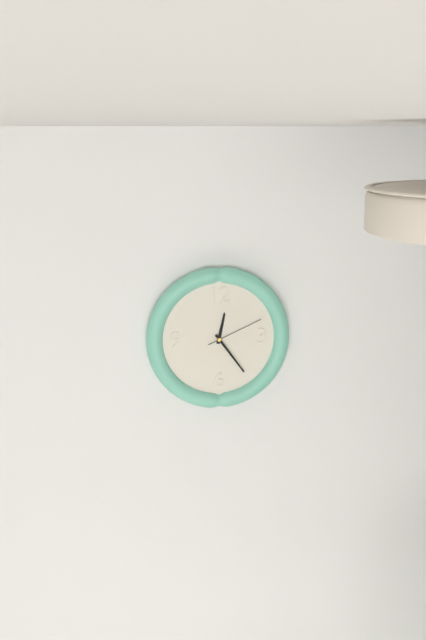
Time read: 12h24m11s
